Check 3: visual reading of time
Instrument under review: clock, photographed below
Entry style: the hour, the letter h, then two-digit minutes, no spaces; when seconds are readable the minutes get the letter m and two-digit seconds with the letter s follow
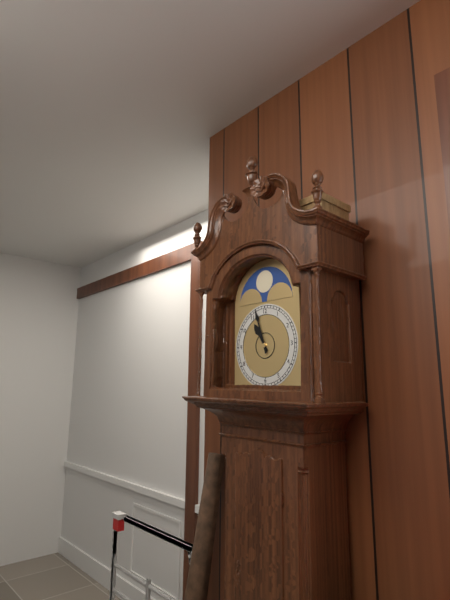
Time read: 10h57
